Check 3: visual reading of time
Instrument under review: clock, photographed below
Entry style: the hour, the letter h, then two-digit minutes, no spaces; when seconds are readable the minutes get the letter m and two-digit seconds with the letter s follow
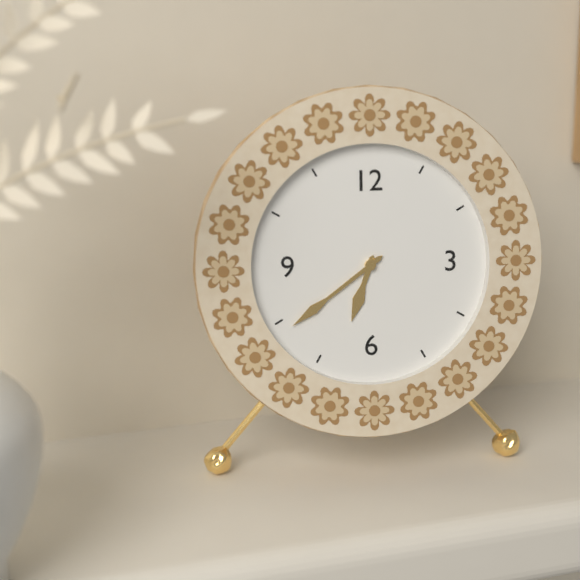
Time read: 6h39
